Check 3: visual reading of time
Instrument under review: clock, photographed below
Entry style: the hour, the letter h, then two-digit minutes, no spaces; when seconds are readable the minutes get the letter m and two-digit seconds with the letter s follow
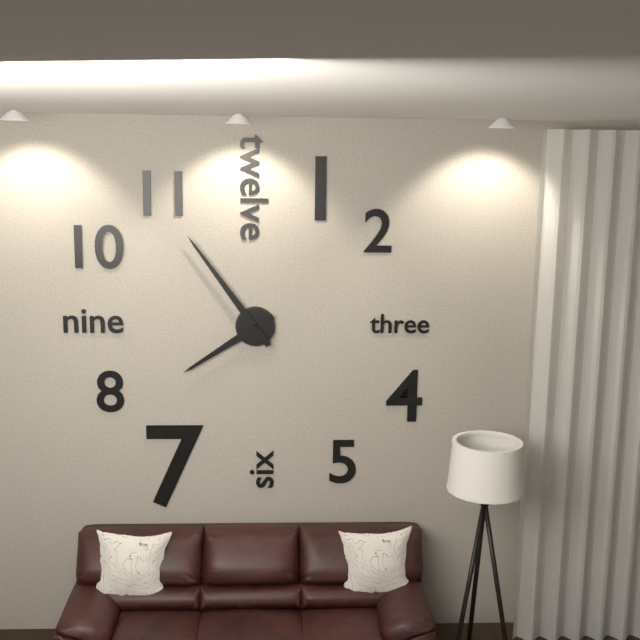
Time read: 7h54
